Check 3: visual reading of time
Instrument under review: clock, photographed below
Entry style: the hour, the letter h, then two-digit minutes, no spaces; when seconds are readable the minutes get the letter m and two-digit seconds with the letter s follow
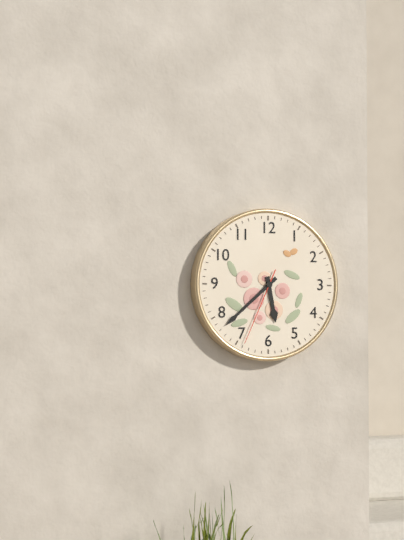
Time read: 5h38m34s
